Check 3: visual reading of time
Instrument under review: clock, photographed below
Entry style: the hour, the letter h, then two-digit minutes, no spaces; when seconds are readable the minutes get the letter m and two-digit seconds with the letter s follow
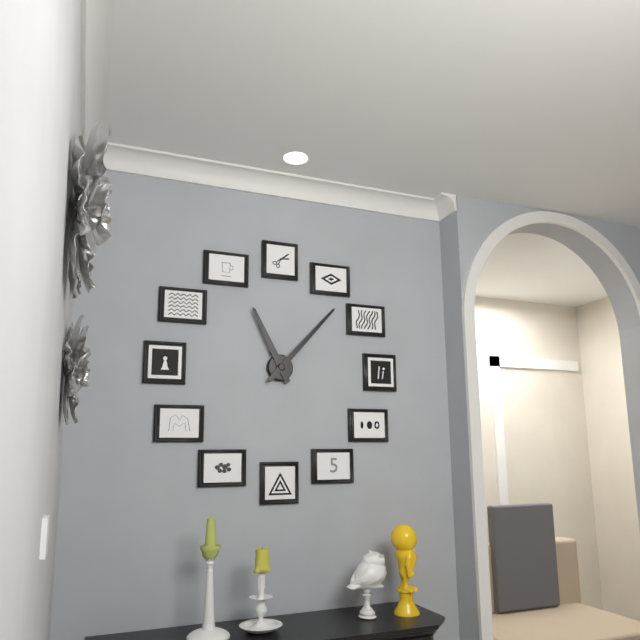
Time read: 11h07
